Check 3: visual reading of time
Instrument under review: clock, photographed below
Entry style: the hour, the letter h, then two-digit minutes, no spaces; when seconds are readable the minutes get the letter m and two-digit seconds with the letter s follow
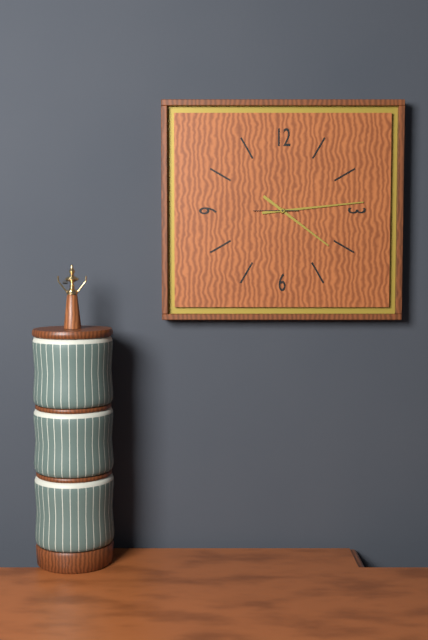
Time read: 4h14
